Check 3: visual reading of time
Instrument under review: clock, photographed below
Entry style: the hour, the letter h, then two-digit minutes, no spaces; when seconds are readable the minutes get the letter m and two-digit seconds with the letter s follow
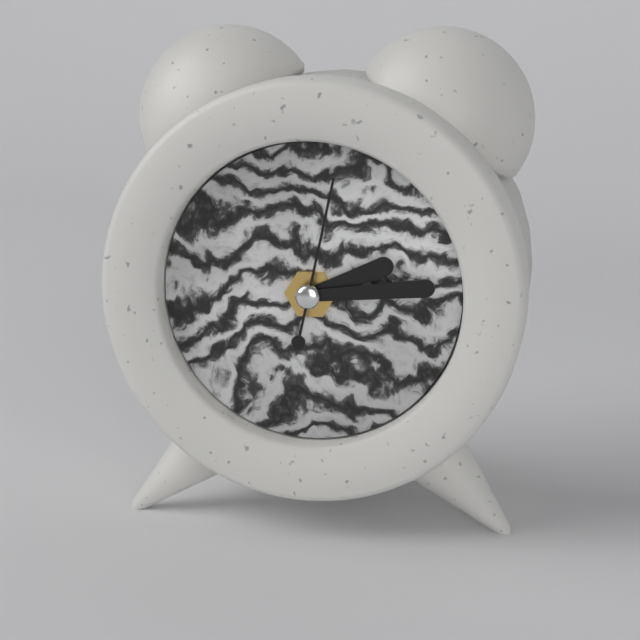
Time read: 2h14m02s
